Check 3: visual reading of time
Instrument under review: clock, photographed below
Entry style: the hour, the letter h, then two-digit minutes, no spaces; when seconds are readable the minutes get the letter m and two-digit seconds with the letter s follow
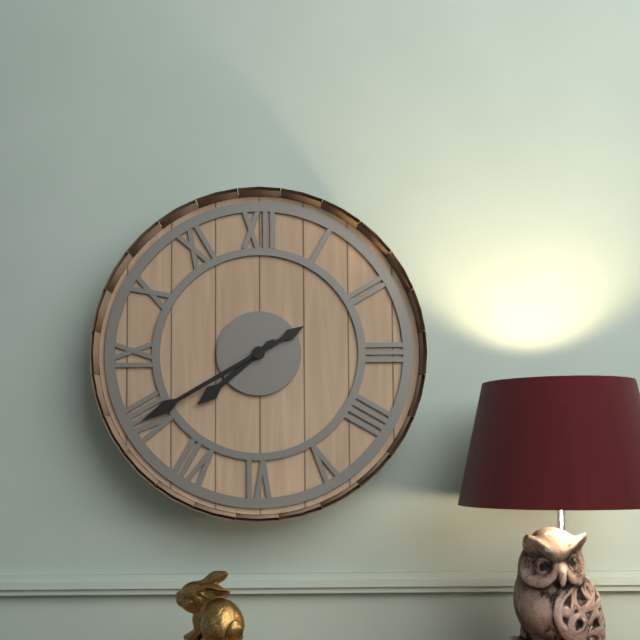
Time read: 7h40
